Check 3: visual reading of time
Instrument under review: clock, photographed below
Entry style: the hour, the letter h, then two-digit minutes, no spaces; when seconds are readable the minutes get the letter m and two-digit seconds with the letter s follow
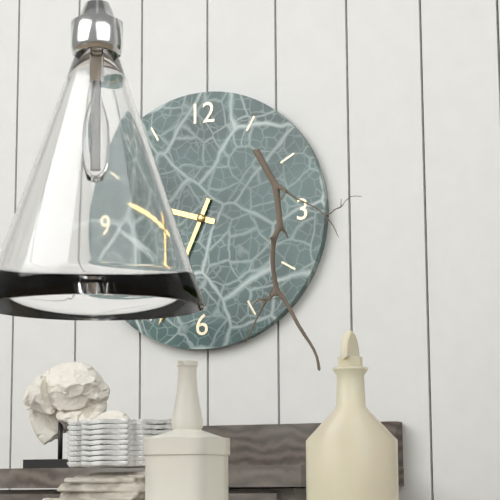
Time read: 9h34
